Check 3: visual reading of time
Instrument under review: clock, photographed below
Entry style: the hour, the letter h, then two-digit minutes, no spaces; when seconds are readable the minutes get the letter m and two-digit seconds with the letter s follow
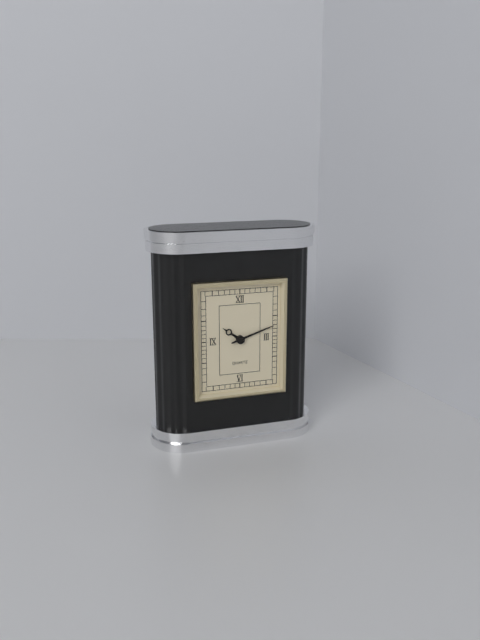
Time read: 10h12
